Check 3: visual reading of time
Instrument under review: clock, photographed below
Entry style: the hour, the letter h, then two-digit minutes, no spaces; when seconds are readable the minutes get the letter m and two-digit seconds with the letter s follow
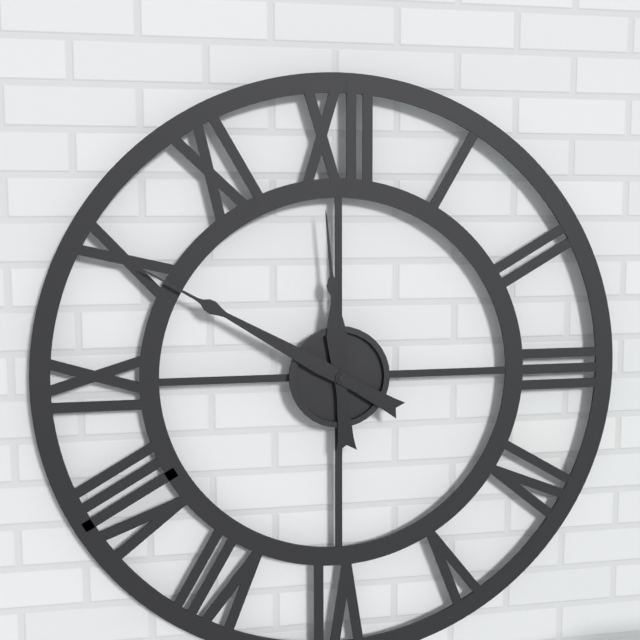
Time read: 11h50
